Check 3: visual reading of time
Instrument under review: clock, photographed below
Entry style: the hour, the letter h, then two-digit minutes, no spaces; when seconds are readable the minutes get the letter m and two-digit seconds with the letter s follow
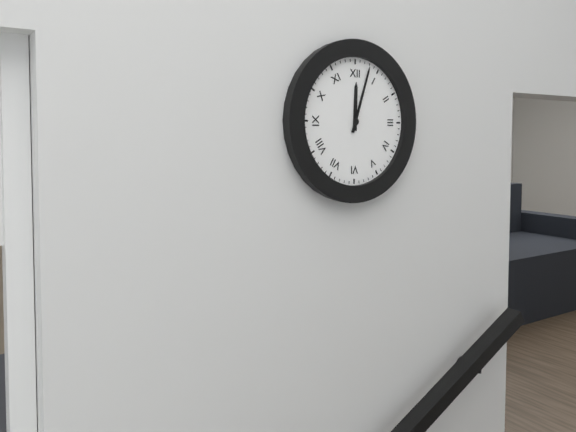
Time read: 12h03
